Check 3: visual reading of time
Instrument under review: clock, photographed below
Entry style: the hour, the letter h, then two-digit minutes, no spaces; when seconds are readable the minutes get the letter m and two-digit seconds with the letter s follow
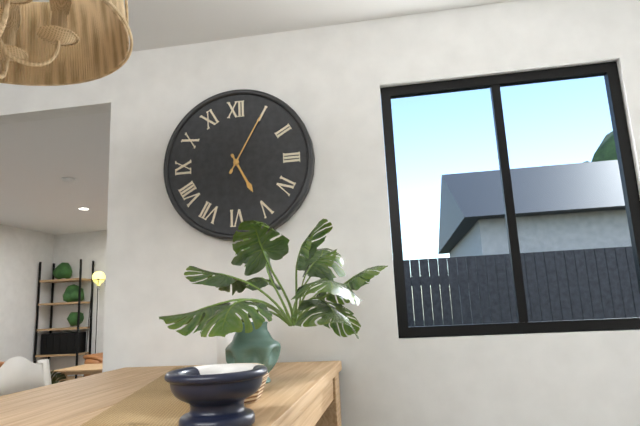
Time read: 5h05
